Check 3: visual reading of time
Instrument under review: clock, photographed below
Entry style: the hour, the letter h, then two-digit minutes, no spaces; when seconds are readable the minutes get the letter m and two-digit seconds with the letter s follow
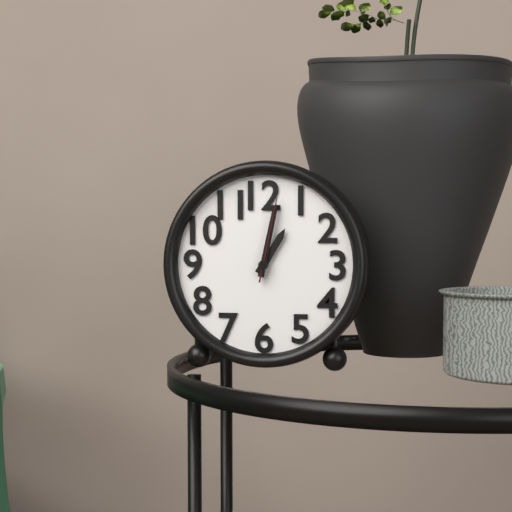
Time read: 1h02m02s
